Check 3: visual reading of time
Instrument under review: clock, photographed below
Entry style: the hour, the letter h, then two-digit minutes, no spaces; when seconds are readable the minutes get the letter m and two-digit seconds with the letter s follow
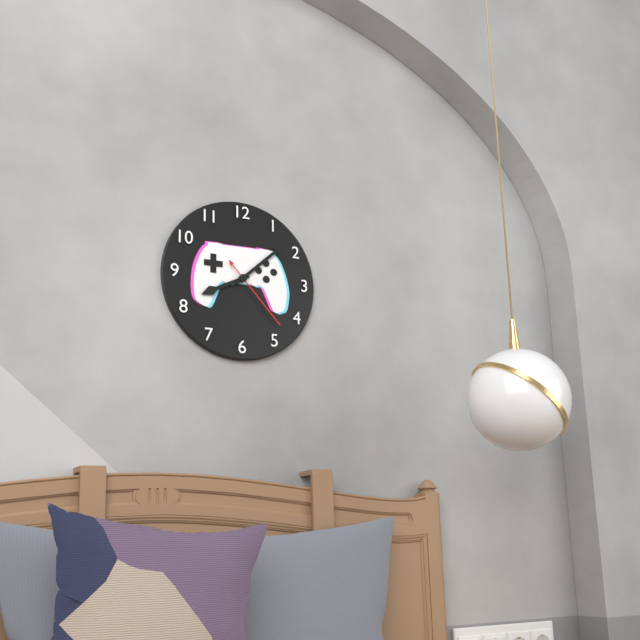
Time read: 8h08m23s
